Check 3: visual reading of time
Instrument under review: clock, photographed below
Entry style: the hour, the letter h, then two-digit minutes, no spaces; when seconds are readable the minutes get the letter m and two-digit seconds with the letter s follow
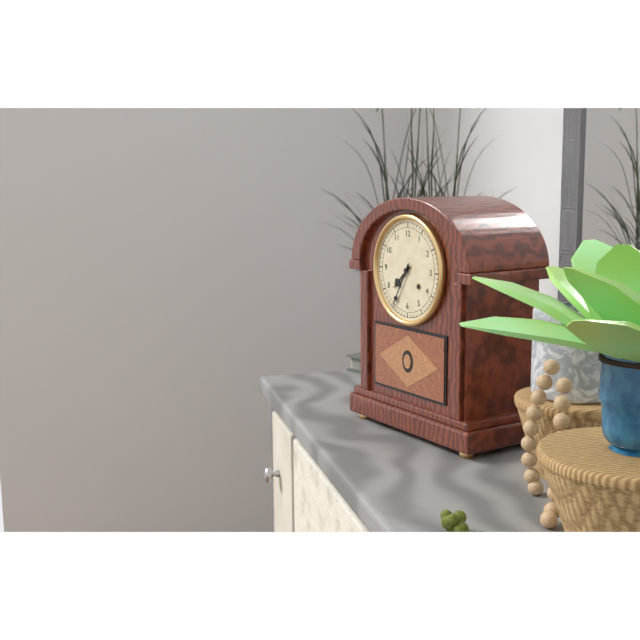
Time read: 7h35
